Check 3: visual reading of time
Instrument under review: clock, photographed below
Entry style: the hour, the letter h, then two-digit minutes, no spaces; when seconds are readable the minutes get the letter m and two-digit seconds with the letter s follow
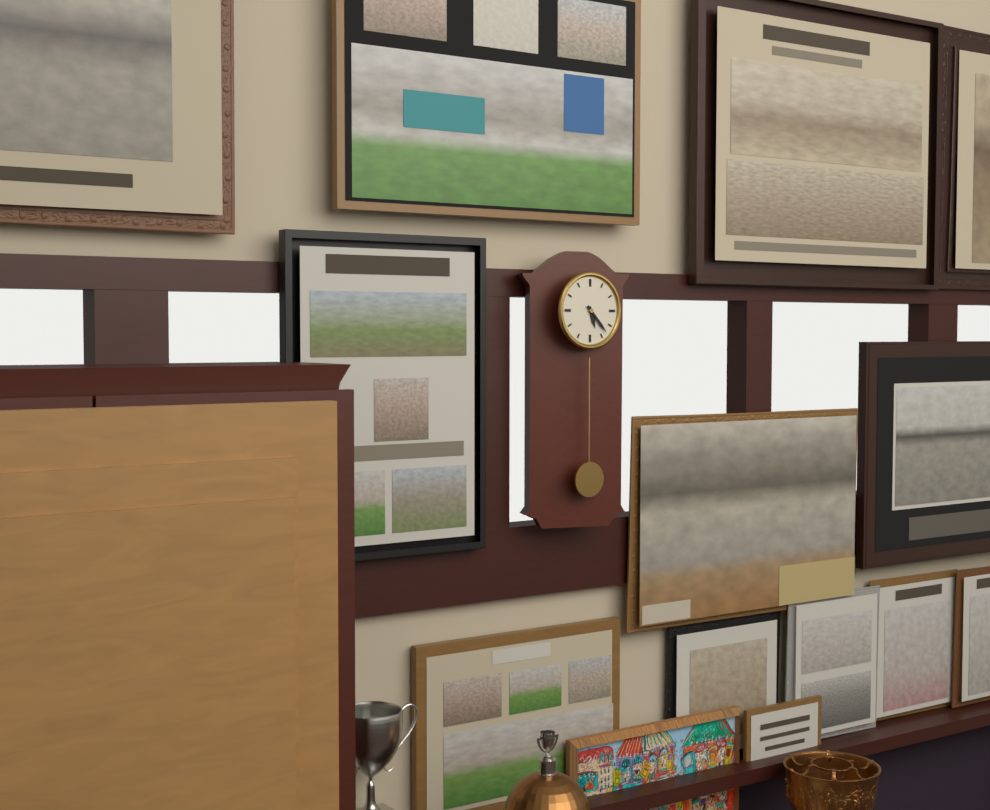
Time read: 5h23
